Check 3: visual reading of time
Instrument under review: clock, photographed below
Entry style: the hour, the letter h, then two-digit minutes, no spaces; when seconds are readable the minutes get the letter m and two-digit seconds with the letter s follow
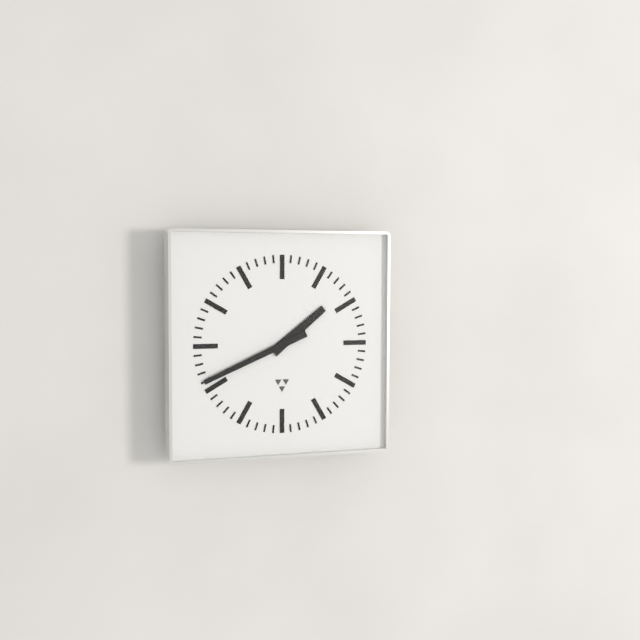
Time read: 1h41
